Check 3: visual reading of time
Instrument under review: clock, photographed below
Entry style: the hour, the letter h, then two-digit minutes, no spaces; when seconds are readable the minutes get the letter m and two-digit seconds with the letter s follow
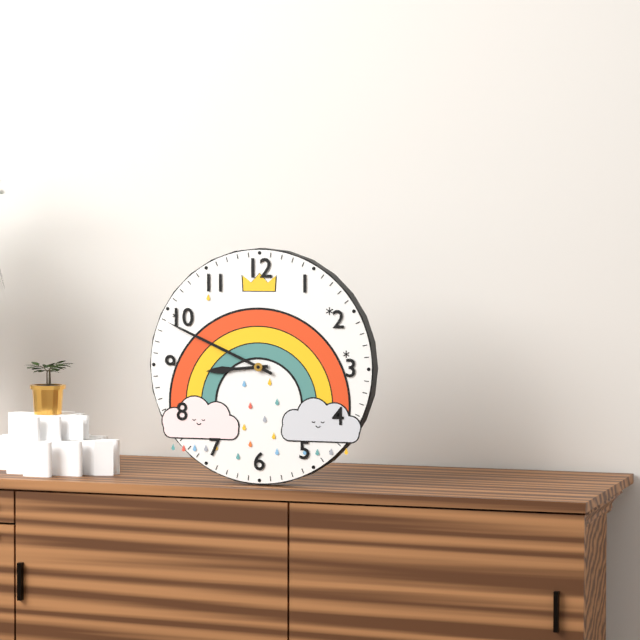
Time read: 8h49
